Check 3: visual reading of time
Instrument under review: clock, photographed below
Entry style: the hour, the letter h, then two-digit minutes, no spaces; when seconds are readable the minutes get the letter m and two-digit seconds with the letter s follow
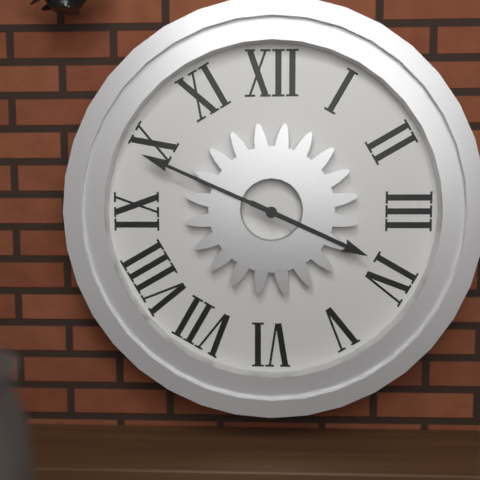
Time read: 3h49
